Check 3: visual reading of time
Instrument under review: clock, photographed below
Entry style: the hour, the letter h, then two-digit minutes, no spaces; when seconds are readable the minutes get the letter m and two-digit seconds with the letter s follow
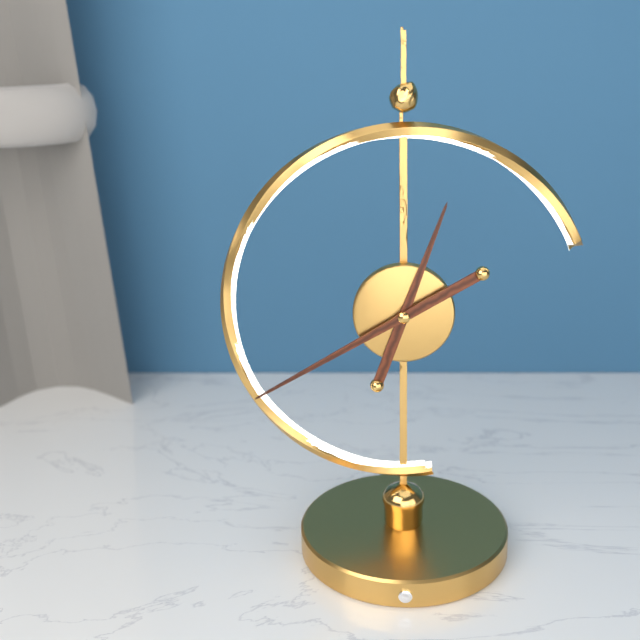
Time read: 12h40
